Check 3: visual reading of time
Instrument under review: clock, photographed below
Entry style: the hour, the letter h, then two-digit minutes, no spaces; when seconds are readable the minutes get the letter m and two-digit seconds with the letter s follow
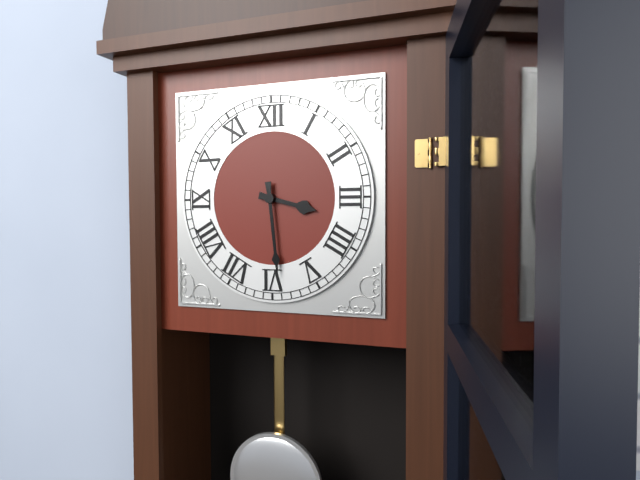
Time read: 3h29
